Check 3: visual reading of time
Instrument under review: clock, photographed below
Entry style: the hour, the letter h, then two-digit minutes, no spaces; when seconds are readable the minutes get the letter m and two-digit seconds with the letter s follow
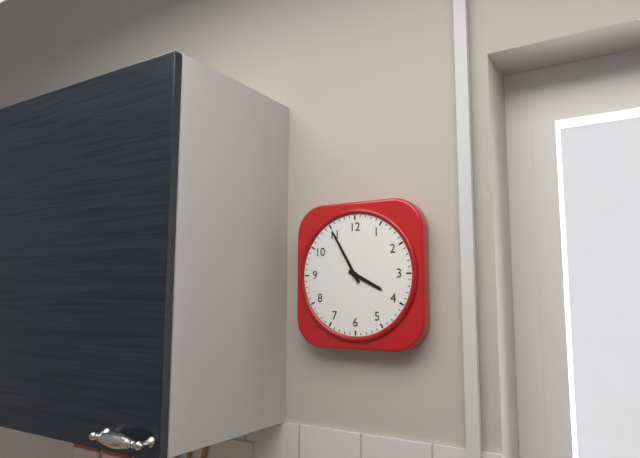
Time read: 3h55
